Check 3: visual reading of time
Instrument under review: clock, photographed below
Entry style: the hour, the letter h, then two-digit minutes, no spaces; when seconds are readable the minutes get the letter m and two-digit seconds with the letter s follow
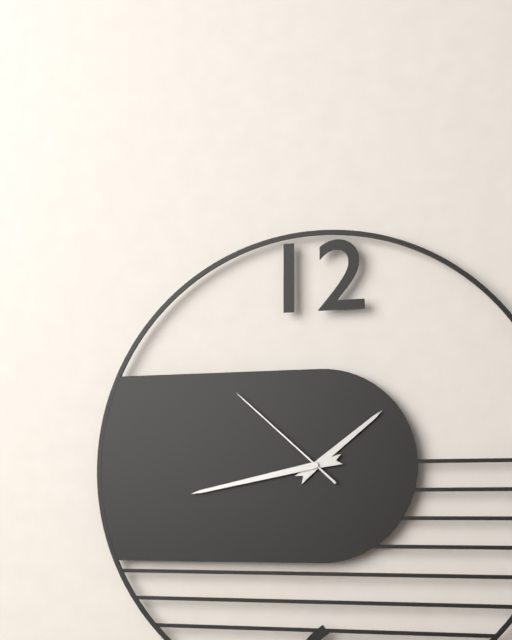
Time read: 1h43m52s
